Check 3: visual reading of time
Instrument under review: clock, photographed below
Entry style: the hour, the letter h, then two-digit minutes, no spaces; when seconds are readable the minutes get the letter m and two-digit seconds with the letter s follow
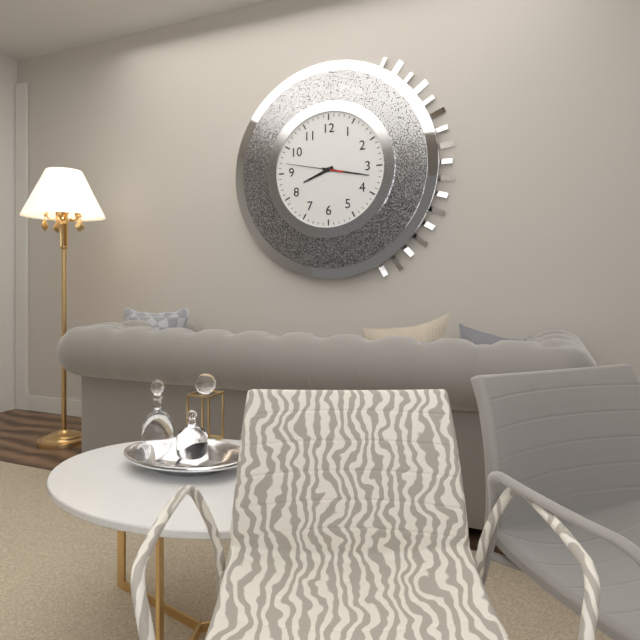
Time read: 8h17m47s
